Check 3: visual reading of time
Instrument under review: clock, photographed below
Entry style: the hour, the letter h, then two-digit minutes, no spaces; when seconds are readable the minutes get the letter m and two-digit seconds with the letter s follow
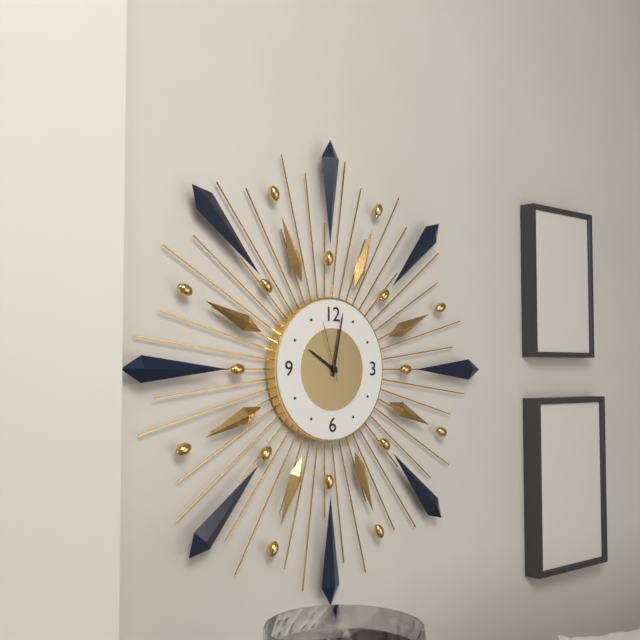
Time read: 10h02m57s
